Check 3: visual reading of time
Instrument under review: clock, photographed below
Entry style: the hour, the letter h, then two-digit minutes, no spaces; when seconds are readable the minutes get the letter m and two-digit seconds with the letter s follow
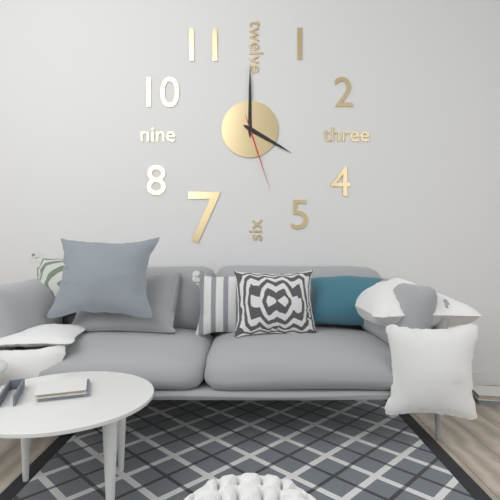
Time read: 4h00m27s
